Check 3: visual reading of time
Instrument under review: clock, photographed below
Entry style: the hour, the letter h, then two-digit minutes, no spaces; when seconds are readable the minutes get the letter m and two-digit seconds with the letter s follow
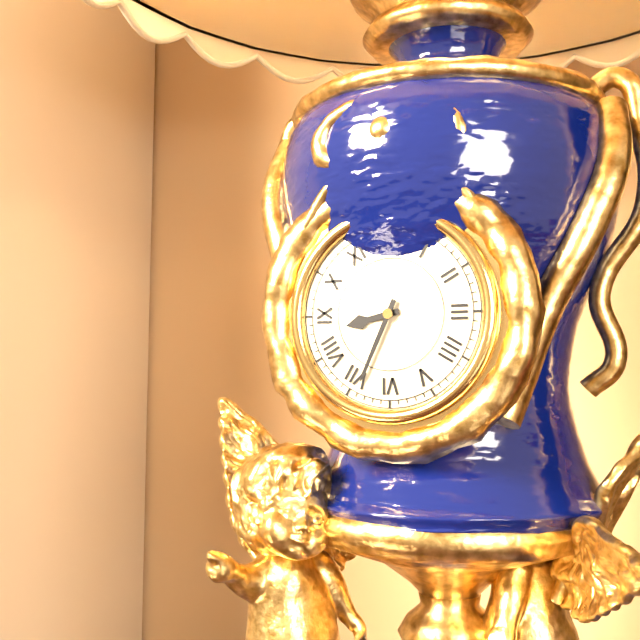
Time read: 8h34
